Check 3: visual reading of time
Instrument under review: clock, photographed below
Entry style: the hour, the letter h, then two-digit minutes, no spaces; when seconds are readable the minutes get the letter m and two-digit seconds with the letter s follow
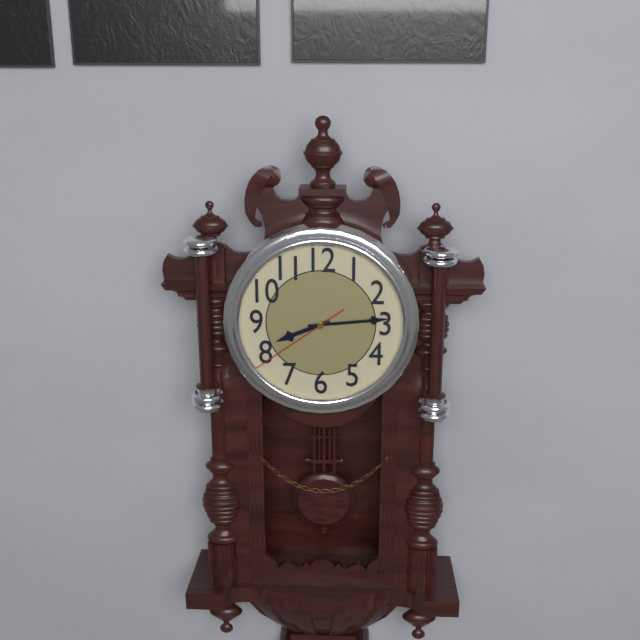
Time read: 8h14m39s
